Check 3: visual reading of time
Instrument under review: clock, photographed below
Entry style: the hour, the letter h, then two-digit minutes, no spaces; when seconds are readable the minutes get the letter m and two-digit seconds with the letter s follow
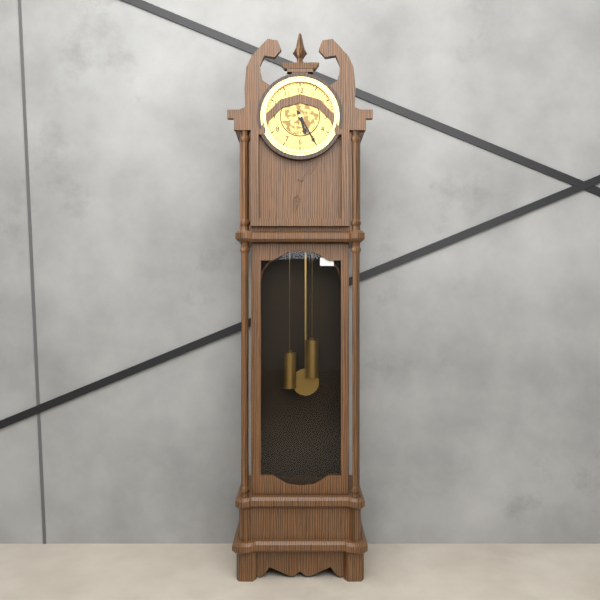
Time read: 5h25
